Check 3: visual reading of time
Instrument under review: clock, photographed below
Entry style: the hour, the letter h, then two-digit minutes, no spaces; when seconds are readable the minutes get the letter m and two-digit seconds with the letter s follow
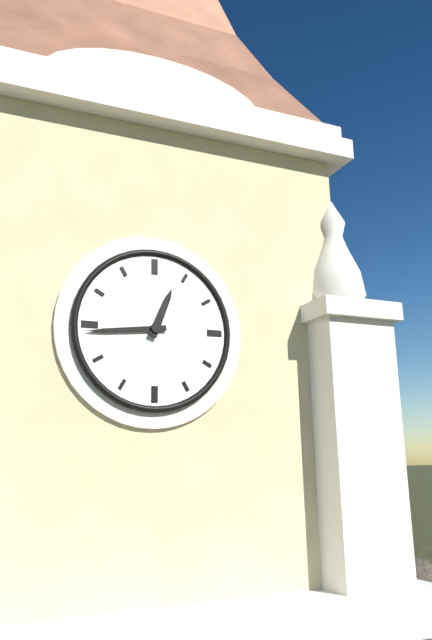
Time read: 12h44
